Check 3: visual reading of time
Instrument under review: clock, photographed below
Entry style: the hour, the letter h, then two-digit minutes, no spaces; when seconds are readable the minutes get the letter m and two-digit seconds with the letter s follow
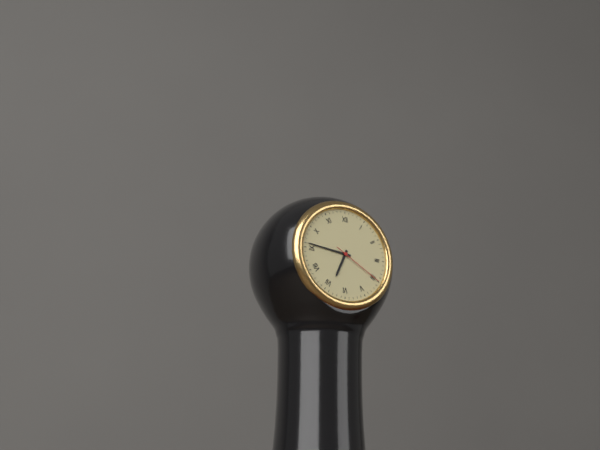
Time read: 6h46m20s
